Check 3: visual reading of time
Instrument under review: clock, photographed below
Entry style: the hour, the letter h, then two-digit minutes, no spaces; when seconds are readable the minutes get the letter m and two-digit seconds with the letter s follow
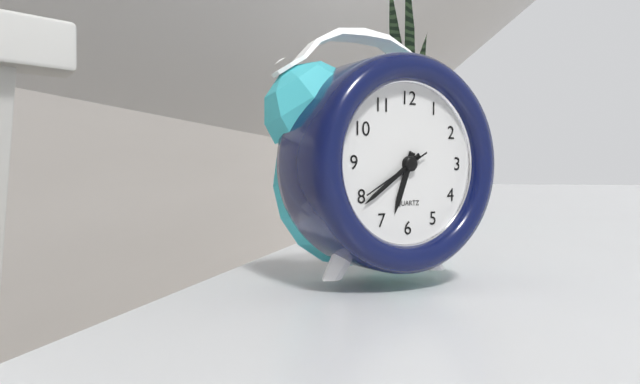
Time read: 6h39m40s
